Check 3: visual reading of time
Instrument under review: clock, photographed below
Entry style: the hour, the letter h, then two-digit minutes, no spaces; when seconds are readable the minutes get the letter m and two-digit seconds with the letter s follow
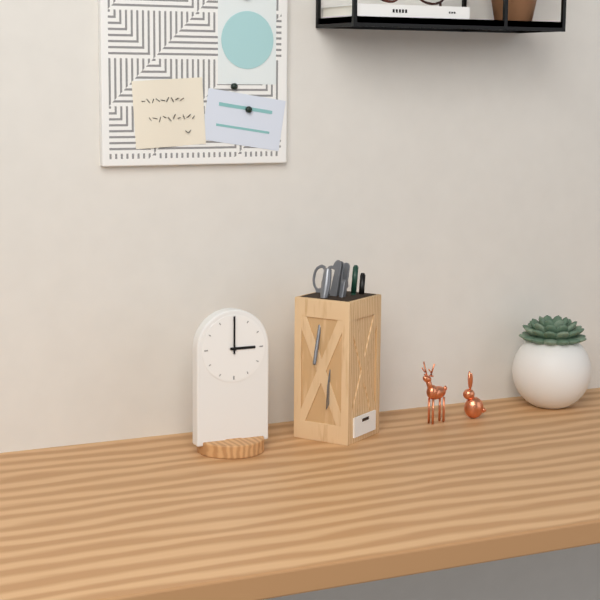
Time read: 3h00
